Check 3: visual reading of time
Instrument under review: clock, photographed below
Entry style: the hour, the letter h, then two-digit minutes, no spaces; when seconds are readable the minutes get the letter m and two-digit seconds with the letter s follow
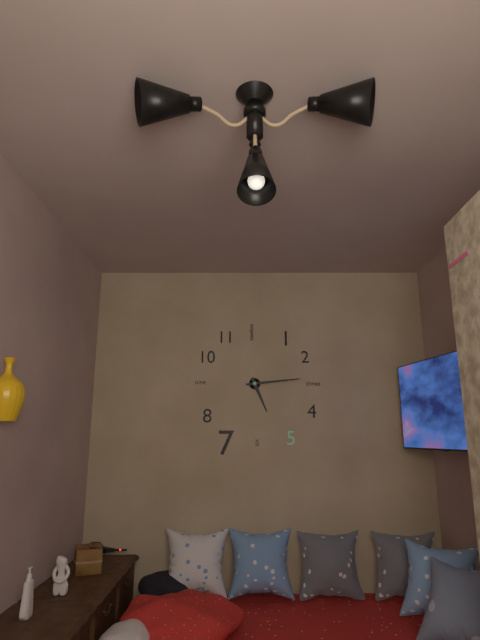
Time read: 5h14
